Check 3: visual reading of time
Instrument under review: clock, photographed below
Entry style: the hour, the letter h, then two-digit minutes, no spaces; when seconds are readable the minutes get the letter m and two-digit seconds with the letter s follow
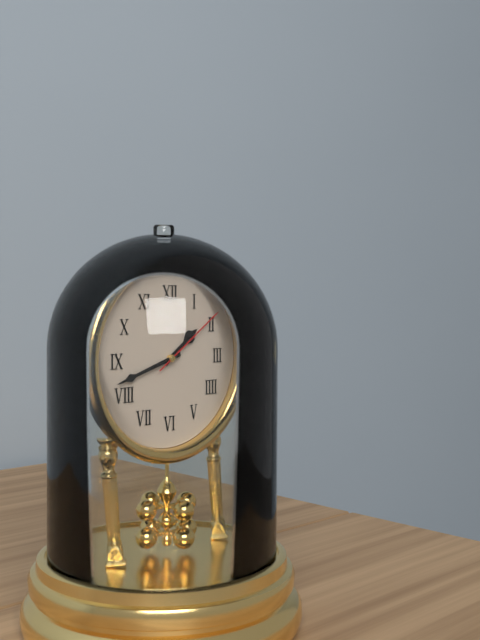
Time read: 1h42m09s
